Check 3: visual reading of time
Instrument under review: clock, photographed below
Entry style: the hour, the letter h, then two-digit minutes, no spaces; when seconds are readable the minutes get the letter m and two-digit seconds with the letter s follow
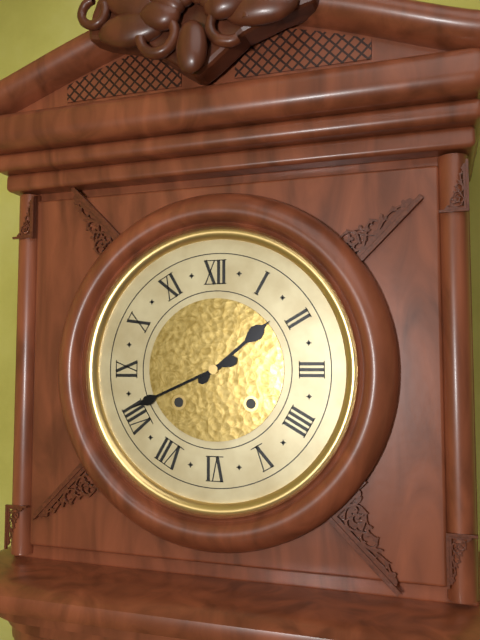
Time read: 1h41
